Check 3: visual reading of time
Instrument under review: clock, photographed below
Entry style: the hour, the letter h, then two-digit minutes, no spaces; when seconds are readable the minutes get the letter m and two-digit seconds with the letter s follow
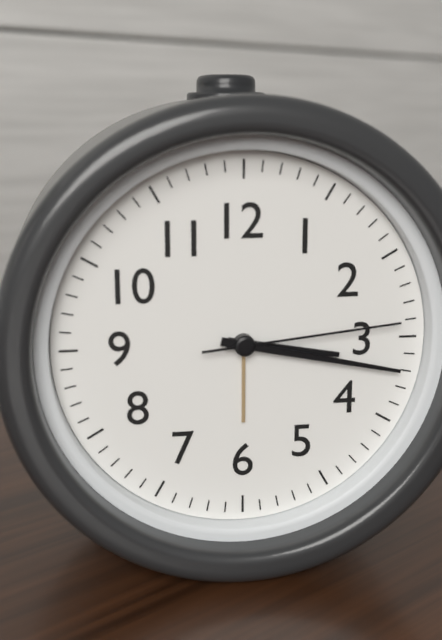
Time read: 3h17m14s
